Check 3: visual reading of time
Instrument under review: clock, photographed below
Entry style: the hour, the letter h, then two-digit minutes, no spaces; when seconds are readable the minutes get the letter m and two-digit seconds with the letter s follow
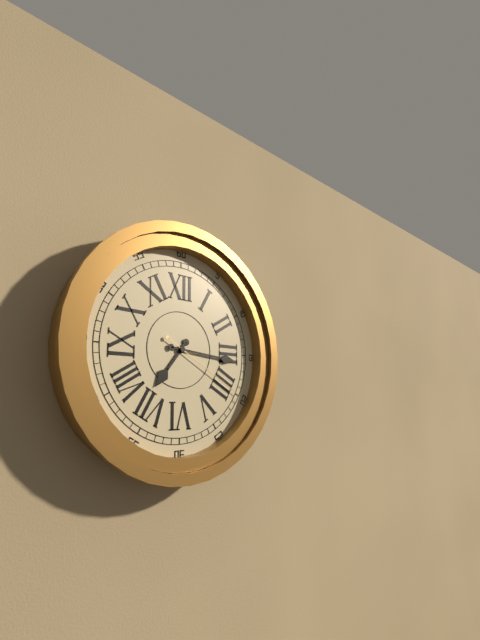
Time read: 7h16m20s
